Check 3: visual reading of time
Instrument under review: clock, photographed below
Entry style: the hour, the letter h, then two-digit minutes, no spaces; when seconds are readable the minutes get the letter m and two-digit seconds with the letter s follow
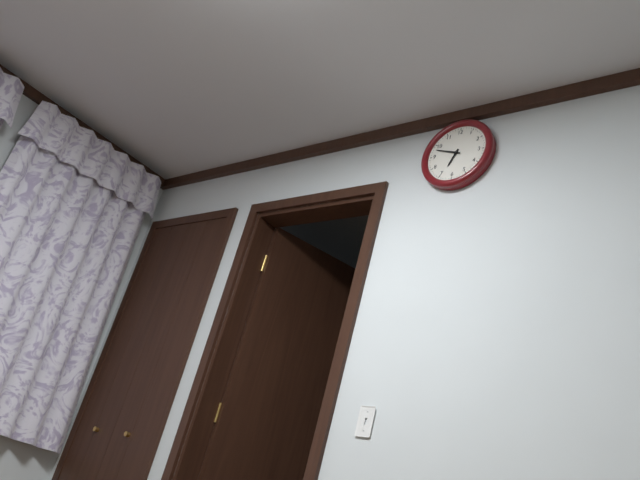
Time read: 6h48
